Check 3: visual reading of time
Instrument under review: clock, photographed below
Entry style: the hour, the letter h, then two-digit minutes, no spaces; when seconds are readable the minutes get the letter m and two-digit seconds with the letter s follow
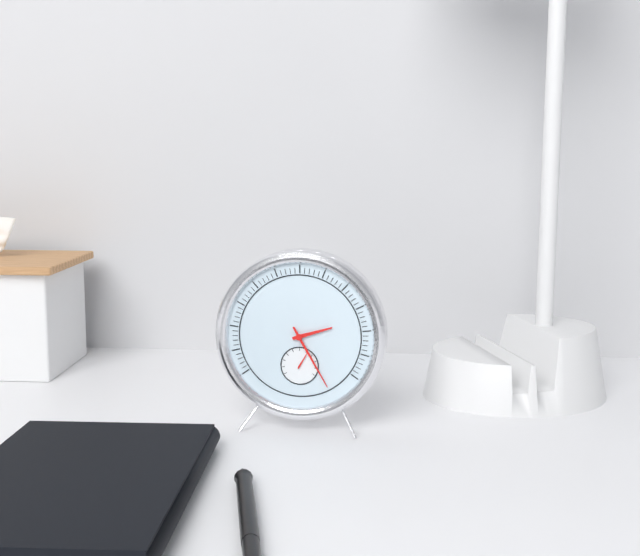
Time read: 2h25
